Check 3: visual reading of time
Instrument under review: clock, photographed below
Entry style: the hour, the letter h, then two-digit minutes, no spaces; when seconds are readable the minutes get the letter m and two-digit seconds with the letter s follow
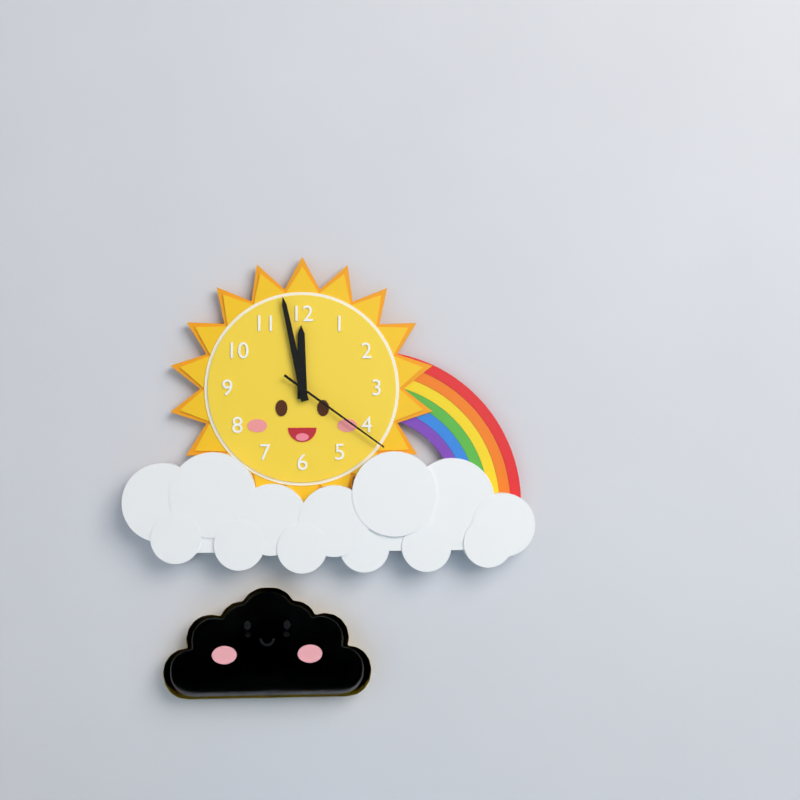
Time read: 11h58m21s
